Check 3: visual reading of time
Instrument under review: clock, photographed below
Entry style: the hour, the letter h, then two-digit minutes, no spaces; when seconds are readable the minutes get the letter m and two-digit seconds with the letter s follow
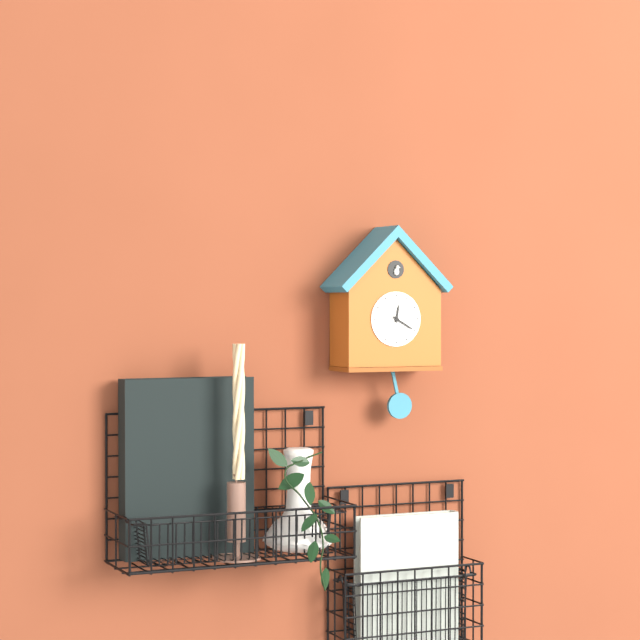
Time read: 12h20
